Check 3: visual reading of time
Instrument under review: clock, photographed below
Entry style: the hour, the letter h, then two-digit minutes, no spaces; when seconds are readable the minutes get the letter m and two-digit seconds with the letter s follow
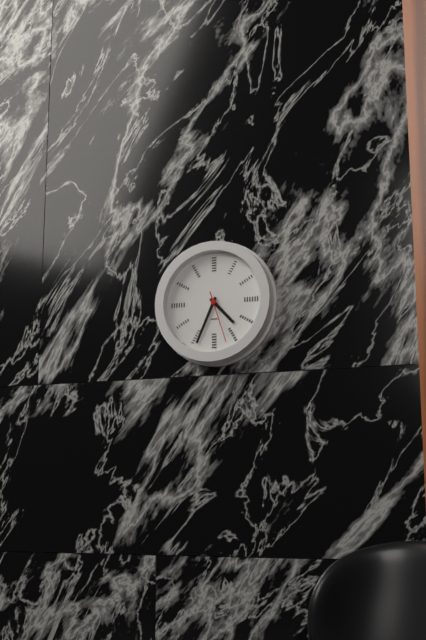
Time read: 4h34m27s
